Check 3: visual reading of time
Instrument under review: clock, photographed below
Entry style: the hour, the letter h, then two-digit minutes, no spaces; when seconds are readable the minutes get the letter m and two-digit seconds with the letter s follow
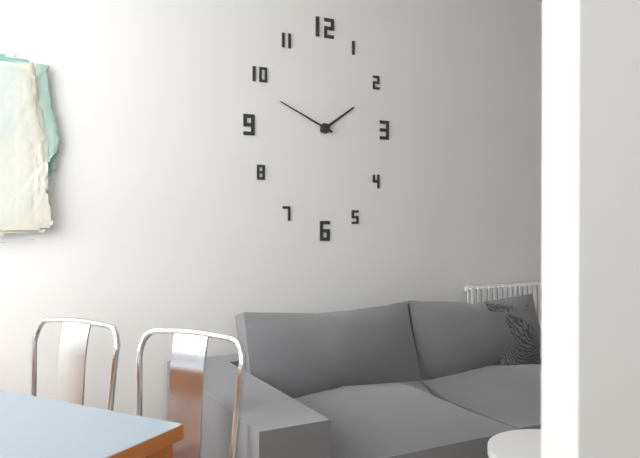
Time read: 1h49
